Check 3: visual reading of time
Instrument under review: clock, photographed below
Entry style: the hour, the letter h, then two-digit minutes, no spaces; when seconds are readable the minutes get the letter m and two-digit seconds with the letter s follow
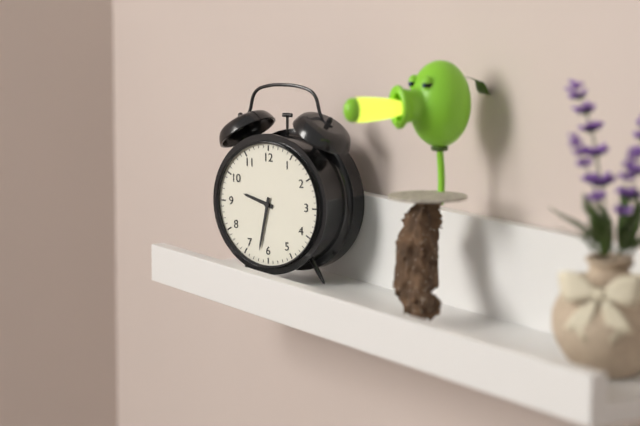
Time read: 9h32
